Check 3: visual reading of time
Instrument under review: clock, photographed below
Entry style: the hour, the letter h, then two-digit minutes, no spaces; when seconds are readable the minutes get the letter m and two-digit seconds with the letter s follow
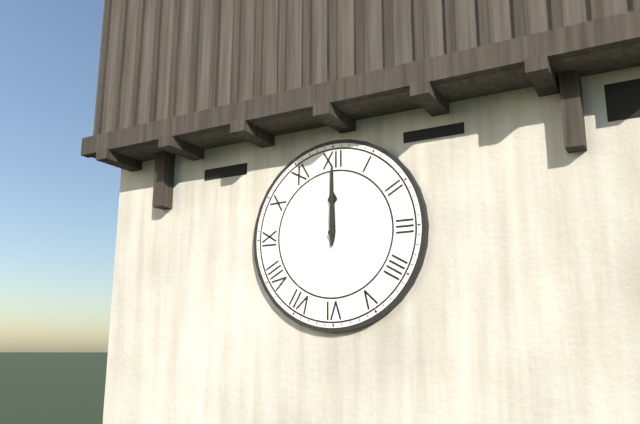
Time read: 12h00
